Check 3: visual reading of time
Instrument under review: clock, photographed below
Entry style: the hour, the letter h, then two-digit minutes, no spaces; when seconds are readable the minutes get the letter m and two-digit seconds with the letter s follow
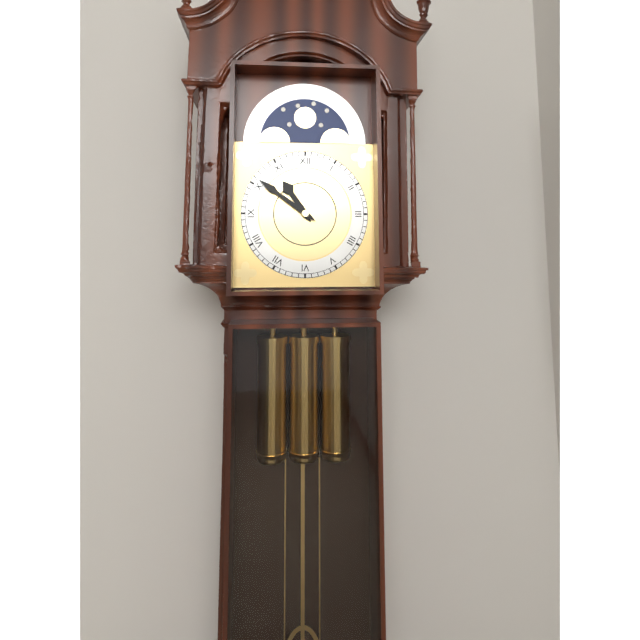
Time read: 10h51
